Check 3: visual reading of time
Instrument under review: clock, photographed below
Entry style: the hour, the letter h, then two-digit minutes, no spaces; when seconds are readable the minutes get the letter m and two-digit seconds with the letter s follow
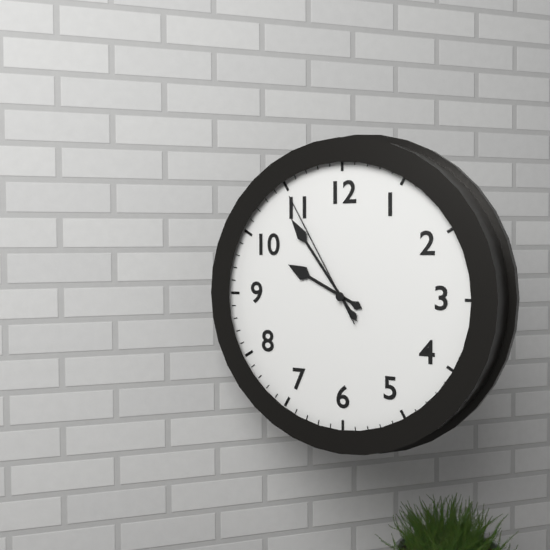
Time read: 9h54m55s
